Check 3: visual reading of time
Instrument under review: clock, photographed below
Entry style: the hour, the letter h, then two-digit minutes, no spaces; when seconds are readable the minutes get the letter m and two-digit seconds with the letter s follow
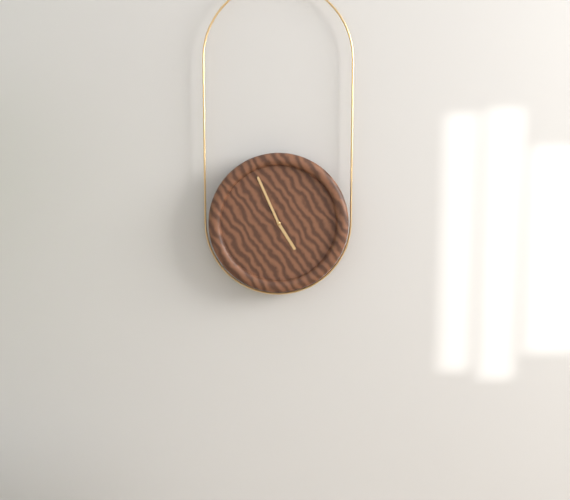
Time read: 4h56
